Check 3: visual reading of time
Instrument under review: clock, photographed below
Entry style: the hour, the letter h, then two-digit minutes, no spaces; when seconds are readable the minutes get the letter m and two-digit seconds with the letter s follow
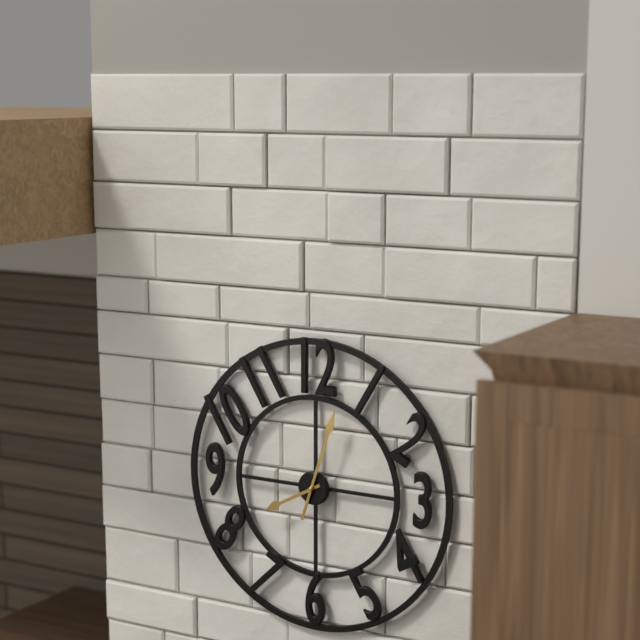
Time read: 8h03
